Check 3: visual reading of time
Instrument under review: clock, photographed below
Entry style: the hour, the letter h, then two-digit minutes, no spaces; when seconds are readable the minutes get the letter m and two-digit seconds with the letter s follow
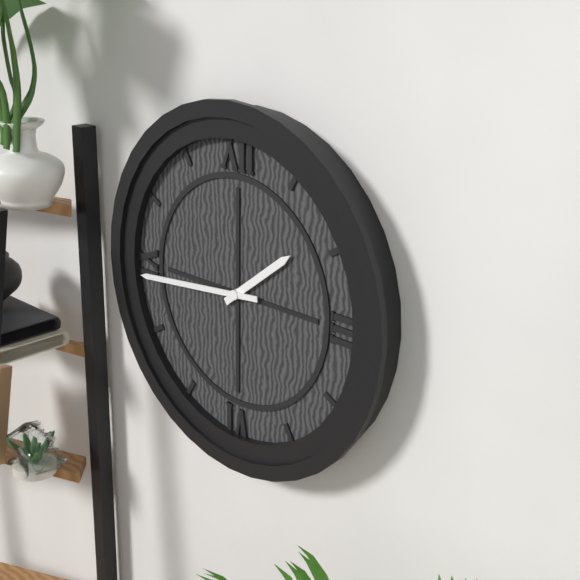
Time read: 1h44
